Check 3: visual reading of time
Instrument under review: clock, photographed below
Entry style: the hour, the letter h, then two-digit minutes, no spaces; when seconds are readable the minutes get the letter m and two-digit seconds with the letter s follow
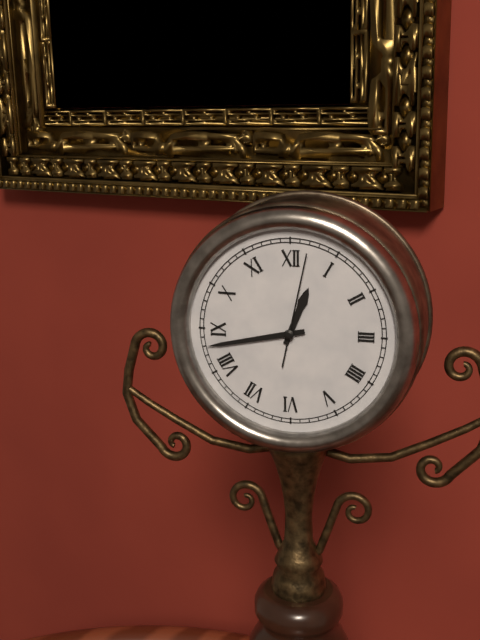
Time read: 12h43m02s
